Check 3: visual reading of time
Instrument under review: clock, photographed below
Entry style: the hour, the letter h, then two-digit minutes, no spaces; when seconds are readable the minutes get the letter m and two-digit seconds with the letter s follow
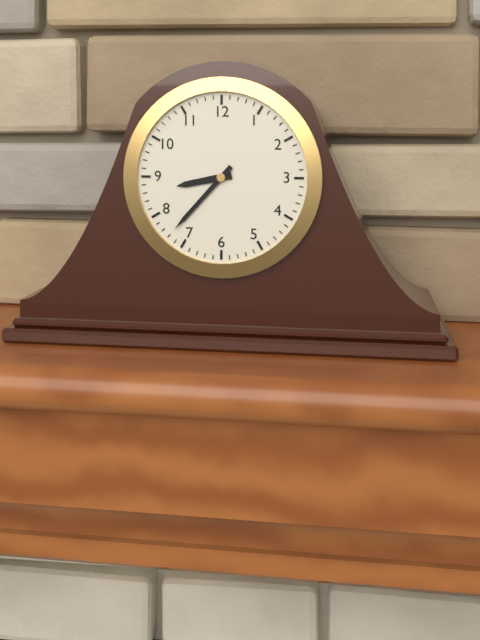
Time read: 8h37
